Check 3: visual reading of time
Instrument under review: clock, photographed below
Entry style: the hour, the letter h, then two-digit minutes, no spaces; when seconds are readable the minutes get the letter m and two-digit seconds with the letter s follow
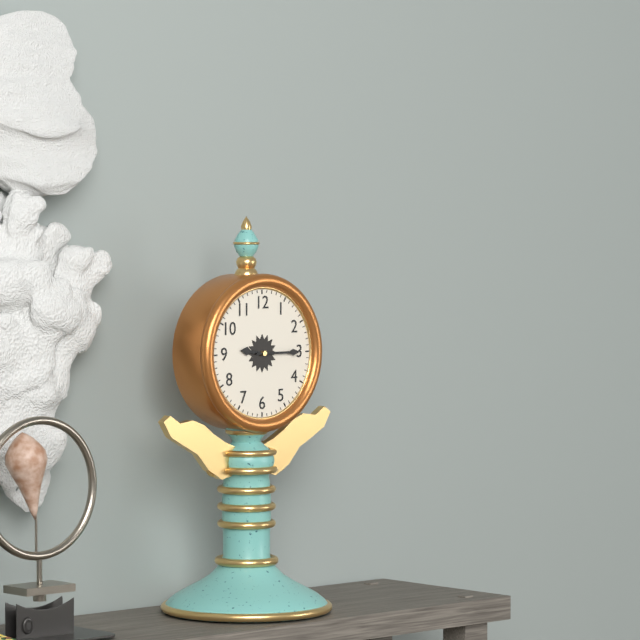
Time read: 9h15
